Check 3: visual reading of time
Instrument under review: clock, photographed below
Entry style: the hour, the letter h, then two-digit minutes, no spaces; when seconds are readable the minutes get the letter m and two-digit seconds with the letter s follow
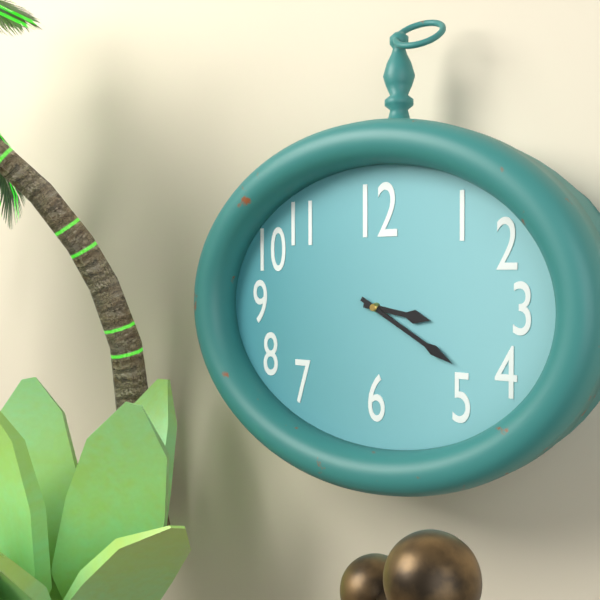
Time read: 3h20
